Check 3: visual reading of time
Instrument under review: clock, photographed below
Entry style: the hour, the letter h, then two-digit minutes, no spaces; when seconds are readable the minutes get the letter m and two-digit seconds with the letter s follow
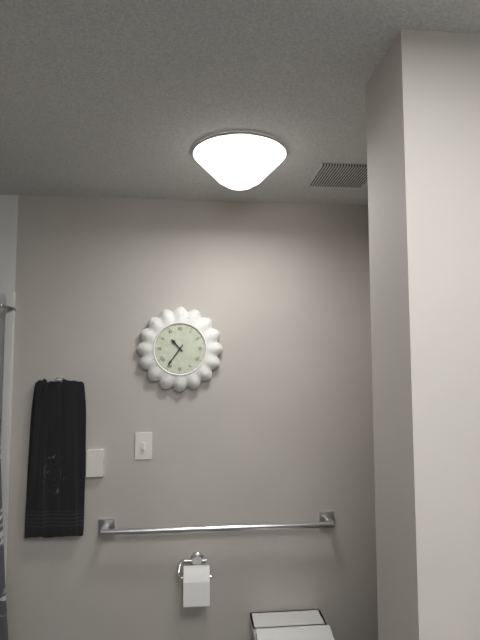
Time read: 10h36
